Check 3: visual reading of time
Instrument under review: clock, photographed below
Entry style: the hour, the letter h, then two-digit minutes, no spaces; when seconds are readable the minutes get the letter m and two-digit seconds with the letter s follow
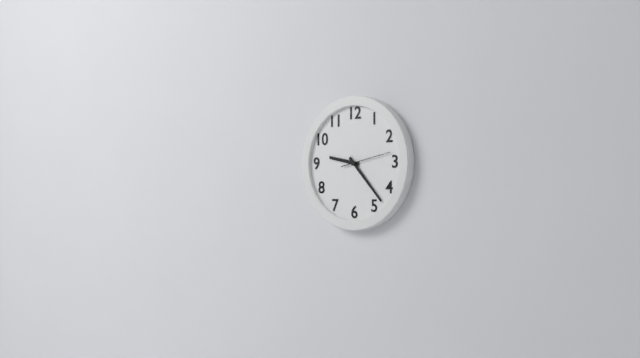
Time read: 9h23
